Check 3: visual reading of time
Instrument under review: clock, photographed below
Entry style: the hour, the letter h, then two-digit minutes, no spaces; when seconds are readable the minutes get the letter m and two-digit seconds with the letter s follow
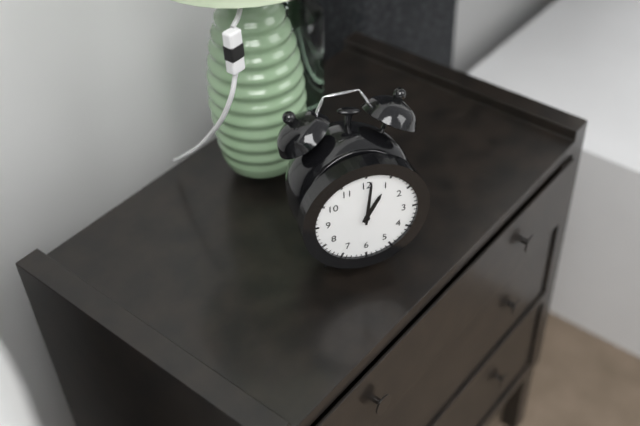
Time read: 1h01
